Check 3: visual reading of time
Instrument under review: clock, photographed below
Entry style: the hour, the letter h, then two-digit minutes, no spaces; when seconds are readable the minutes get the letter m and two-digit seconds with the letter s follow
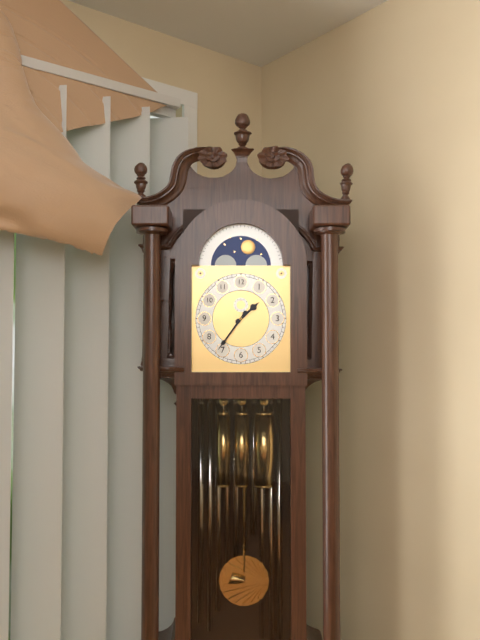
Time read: 1h36
